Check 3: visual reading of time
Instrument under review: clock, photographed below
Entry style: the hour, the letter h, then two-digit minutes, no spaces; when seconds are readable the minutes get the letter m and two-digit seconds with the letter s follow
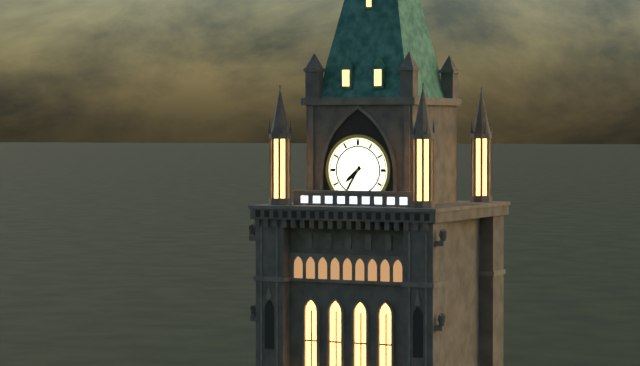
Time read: 7h35
